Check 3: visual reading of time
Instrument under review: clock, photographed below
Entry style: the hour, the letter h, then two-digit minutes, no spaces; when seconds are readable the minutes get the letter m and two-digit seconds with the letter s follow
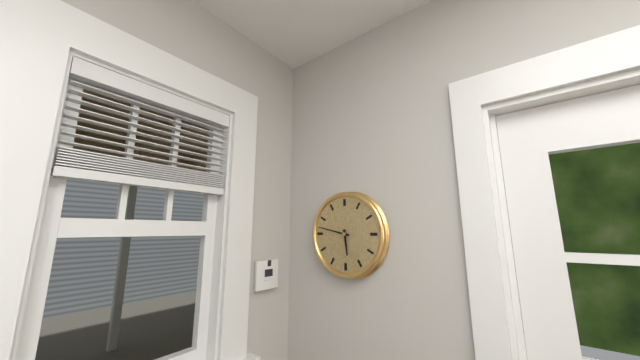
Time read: 5h47
